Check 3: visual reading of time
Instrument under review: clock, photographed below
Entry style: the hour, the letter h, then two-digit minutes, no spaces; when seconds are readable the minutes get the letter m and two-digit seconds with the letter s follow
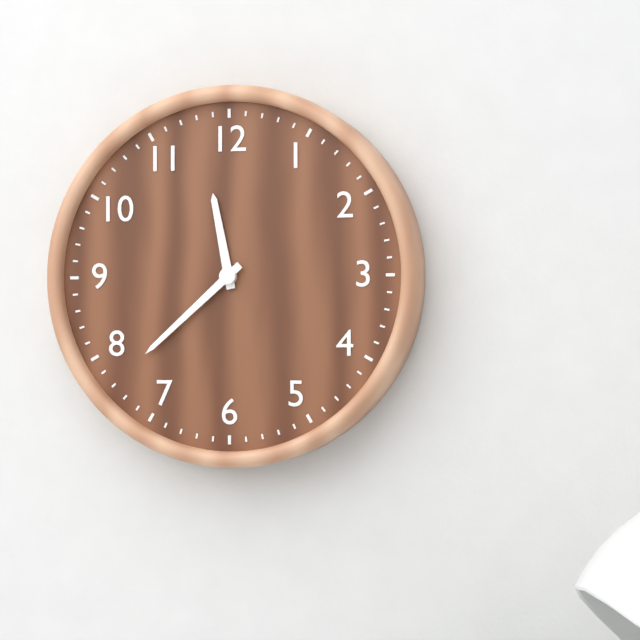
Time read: 11h38
